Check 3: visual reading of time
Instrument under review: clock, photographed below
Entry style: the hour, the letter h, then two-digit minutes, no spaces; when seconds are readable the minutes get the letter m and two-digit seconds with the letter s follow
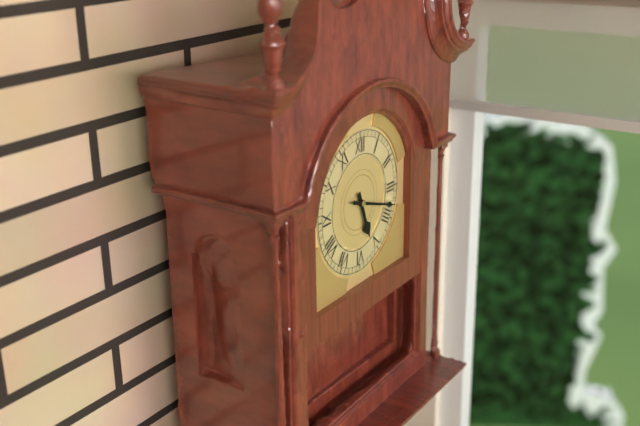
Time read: 5h18
